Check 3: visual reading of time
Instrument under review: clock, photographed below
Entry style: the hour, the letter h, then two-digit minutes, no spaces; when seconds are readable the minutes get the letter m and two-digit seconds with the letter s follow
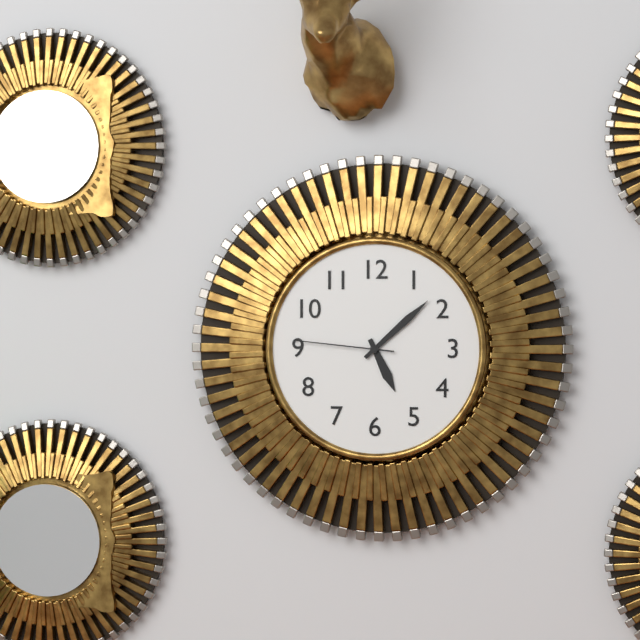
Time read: 5h08m46s
